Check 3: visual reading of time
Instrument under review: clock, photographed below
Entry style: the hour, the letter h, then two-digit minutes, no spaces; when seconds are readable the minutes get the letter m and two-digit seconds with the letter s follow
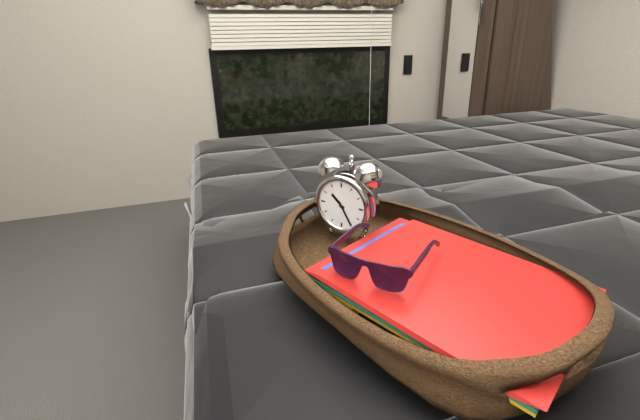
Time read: 10h25
